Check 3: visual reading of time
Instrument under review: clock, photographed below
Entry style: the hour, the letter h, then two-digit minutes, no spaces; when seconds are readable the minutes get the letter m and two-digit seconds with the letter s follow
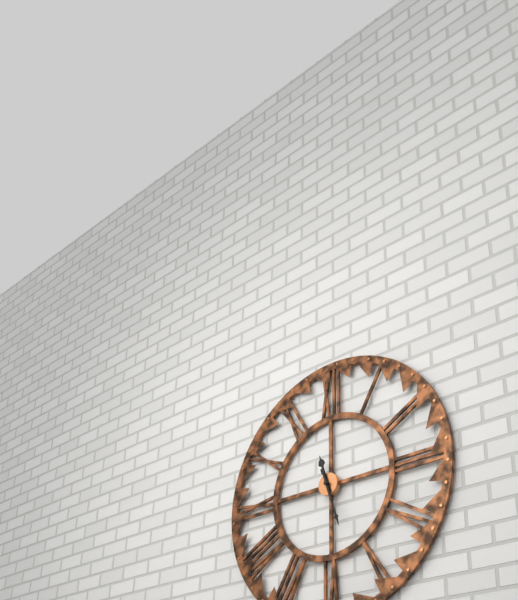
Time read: 11h27
